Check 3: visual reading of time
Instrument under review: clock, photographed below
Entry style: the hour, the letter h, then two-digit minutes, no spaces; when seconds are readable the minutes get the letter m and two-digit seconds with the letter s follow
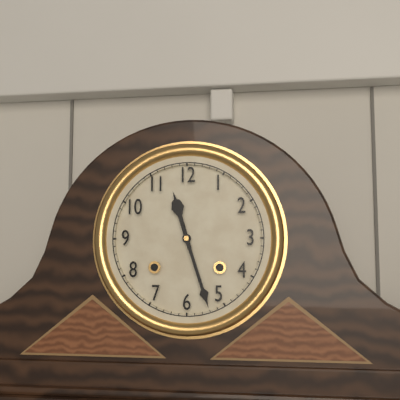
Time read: 11h27
